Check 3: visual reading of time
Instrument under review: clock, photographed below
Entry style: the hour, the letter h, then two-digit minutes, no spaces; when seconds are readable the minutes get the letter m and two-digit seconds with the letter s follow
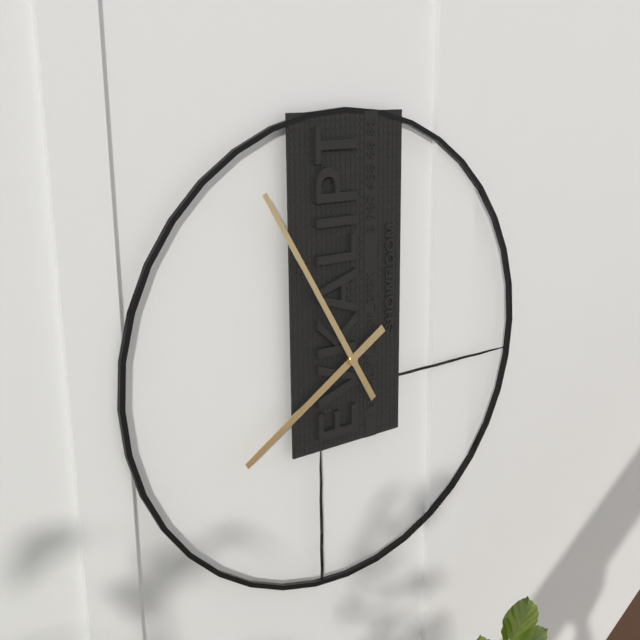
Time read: 7h55
